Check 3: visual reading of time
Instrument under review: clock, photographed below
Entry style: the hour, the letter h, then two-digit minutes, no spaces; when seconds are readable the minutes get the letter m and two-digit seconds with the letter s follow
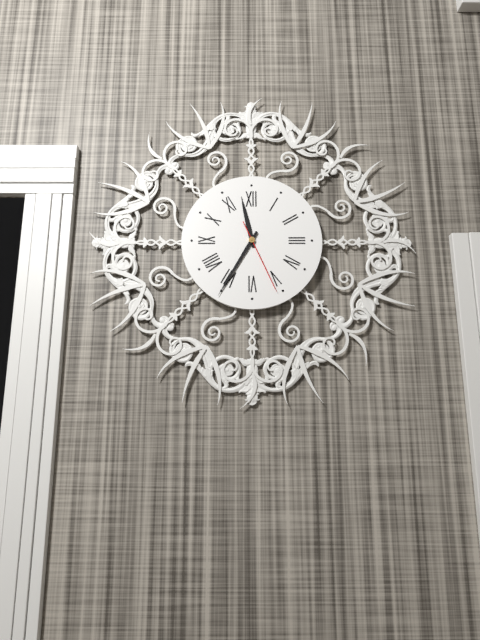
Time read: 11h35m26s
